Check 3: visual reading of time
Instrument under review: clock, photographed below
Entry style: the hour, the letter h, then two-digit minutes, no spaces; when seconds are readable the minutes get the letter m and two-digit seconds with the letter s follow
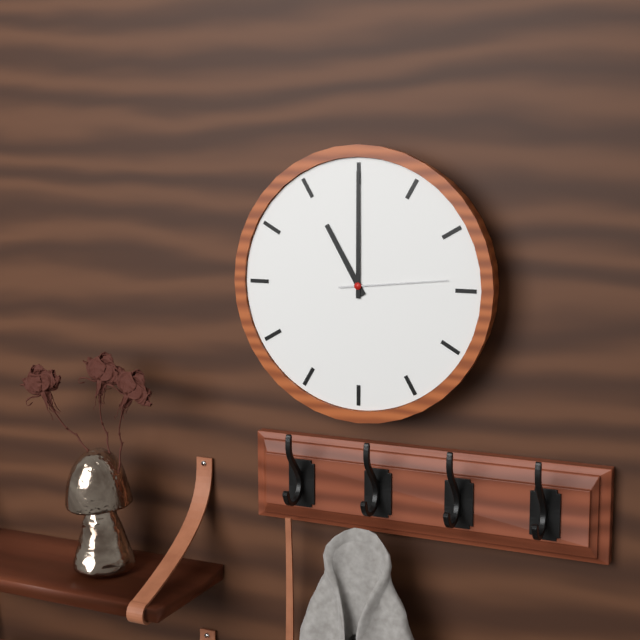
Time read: 11h00m14s
